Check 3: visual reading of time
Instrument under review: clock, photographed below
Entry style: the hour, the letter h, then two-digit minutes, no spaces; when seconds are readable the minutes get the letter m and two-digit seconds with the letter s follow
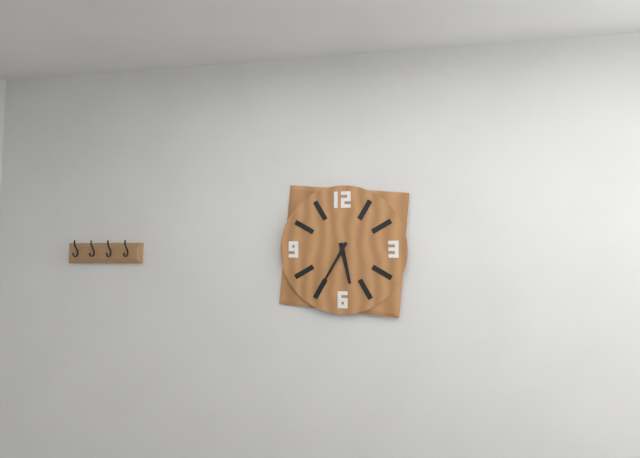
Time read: 5h35
